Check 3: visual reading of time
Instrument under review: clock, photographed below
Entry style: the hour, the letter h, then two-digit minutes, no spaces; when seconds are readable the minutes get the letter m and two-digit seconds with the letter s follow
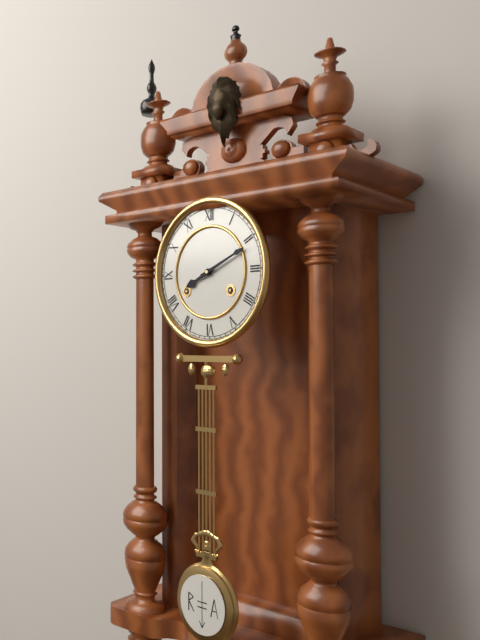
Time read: 8h11
